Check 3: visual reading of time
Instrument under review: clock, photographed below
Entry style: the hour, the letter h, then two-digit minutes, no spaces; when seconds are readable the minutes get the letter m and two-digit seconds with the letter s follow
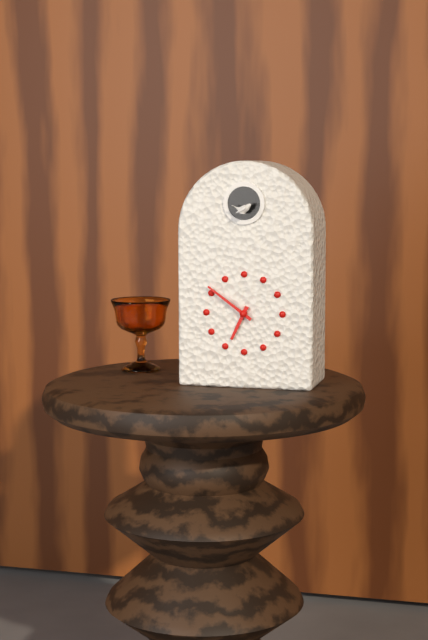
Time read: 6h51
